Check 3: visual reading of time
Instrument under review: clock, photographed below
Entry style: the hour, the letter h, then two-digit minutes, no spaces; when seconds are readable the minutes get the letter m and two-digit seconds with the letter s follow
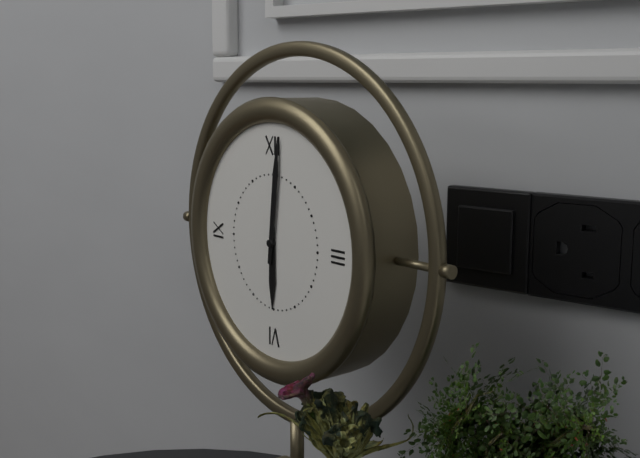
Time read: 6h01
